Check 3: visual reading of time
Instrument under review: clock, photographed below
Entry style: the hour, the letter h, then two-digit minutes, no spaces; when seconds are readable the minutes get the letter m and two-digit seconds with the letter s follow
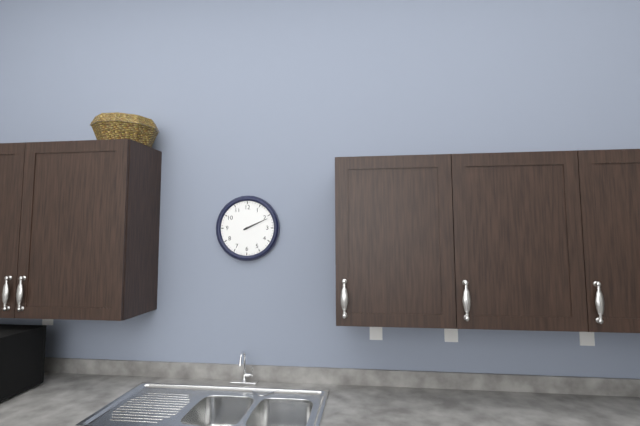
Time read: 2h11
